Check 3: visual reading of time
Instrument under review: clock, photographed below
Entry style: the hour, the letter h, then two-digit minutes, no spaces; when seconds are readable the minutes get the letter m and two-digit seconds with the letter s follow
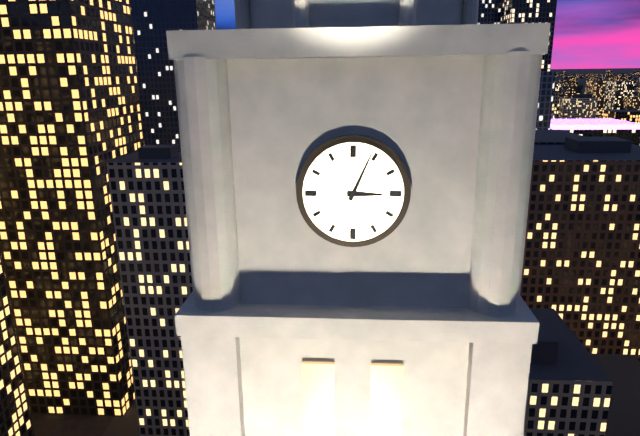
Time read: 3h04
